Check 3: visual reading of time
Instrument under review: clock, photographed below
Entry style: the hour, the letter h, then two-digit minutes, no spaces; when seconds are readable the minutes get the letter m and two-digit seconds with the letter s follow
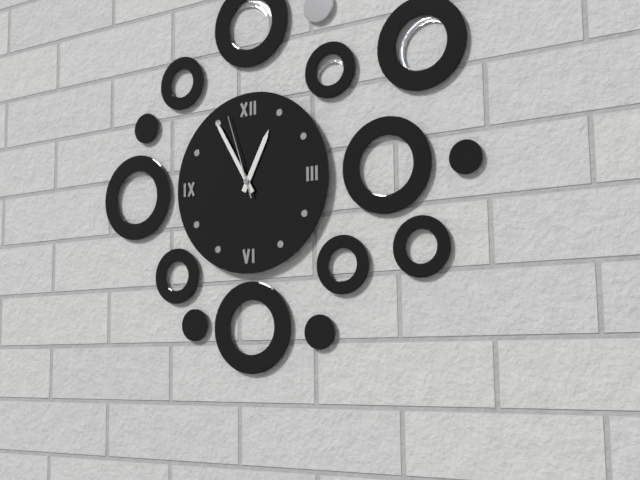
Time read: 12h55m57s
